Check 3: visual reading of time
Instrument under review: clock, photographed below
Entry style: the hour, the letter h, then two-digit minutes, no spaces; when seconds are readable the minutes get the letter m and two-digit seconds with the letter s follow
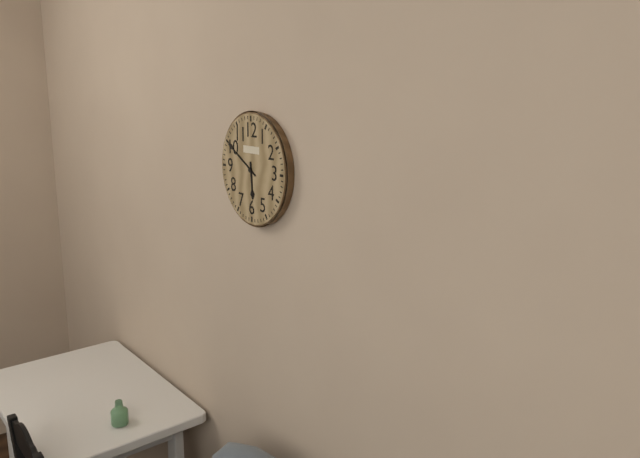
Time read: 5h50
